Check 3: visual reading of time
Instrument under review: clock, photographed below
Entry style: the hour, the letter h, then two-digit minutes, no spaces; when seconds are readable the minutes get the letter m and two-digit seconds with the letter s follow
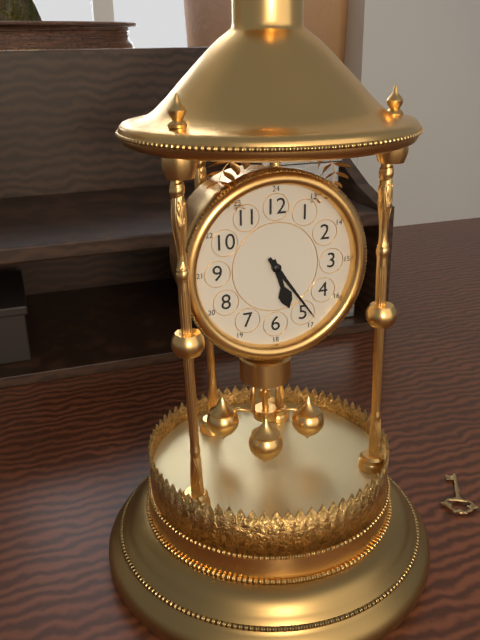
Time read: 5h24
